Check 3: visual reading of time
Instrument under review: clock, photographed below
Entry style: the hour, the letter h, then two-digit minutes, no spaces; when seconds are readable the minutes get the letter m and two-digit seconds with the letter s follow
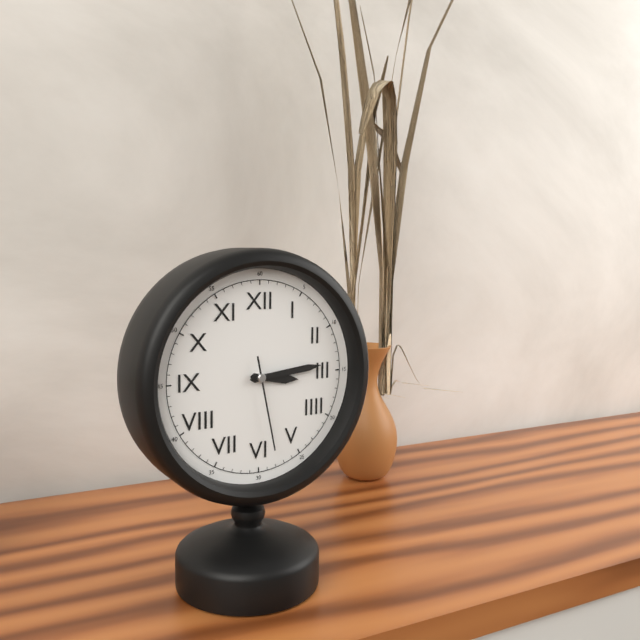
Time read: 3h14m28s
